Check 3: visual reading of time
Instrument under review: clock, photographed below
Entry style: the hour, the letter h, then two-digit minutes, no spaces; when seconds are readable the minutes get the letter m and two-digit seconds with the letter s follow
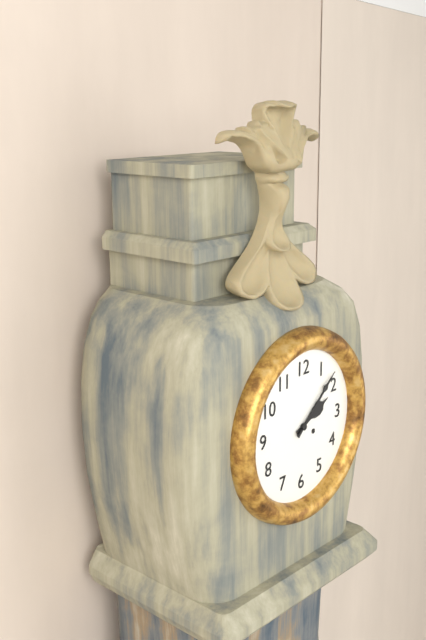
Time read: 2h08
